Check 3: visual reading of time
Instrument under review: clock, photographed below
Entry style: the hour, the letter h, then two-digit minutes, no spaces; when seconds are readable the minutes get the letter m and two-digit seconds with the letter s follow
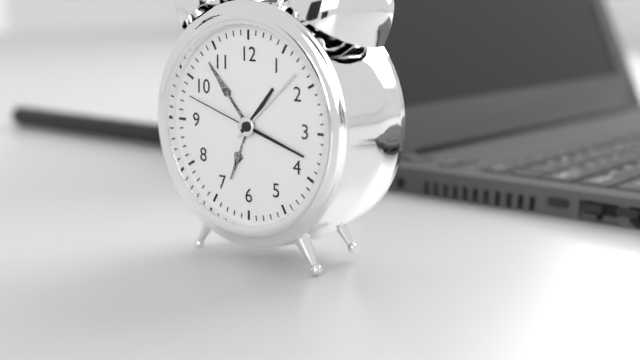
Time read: 1h18m48s
